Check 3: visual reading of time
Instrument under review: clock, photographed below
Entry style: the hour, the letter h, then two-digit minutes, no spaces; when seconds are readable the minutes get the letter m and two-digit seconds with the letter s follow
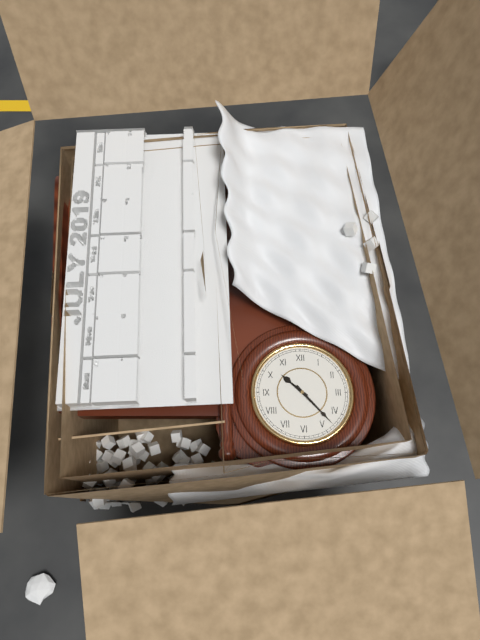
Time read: 10h23
